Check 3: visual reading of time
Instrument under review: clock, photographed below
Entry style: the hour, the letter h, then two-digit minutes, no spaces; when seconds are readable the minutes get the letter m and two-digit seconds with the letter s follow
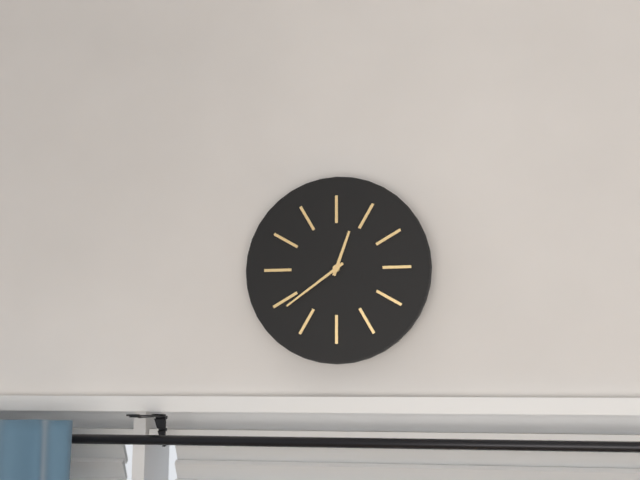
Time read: 12h39
